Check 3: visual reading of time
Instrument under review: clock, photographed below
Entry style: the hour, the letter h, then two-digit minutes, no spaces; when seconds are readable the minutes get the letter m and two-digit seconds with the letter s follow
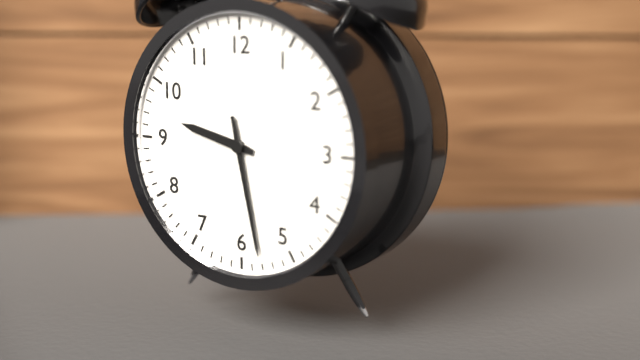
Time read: 9h28
